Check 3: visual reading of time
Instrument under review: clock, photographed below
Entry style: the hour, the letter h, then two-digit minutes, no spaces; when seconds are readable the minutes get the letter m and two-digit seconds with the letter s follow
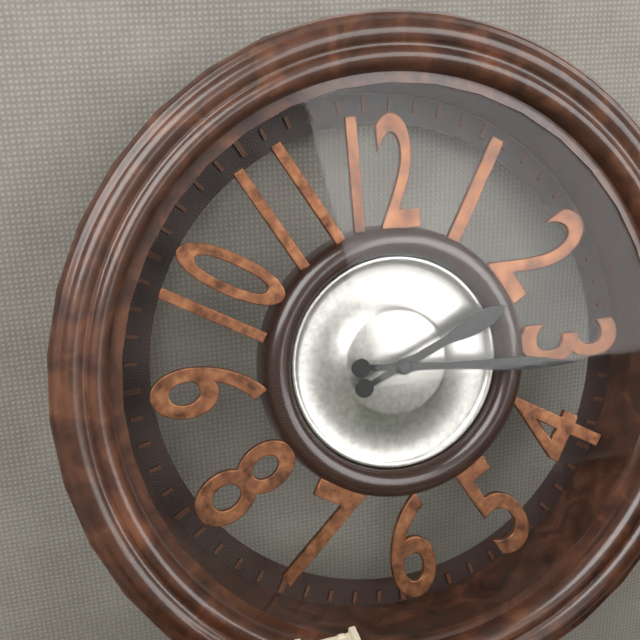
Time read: 2h16
